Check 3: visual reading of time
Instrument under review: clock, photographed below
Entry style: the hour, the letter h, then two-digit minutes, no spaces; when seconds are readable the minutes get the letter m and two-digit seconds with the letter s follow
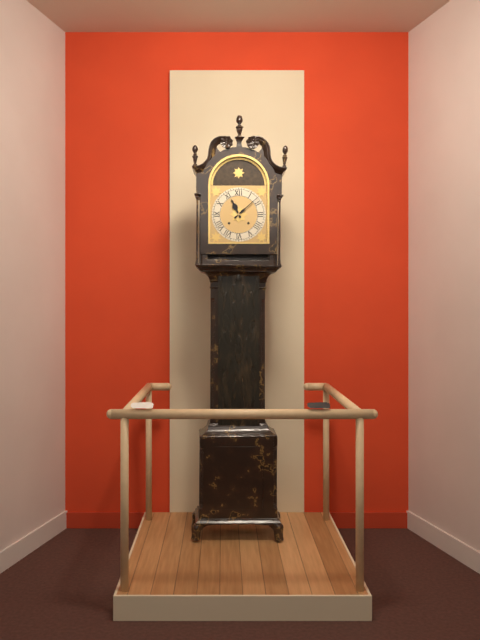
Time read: 11h08
